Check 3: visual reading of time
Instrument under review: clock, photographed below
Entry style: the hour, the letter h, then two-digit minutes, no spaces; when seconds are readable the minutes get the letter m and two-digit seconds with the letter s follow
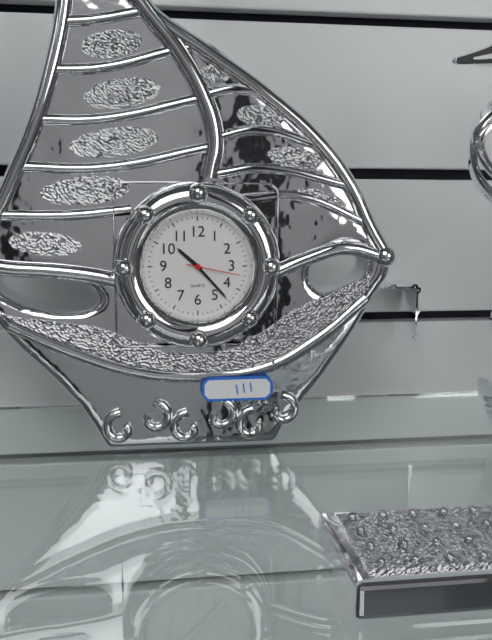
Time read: 10h23m17s
